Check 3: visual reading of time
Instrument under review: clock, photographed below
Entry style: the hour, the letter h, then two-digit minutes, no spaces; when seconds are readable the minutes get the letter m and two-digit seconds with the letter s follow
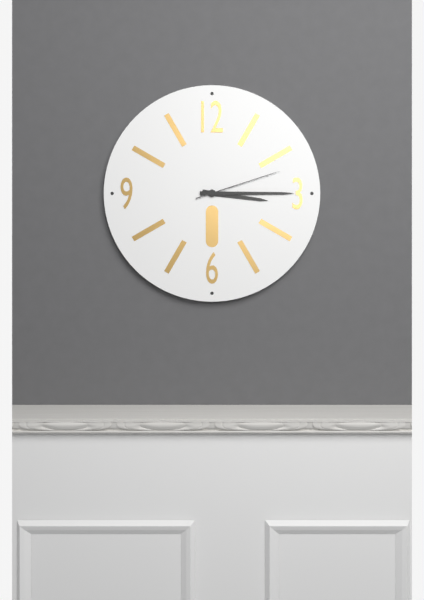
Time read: 3h15m12s
